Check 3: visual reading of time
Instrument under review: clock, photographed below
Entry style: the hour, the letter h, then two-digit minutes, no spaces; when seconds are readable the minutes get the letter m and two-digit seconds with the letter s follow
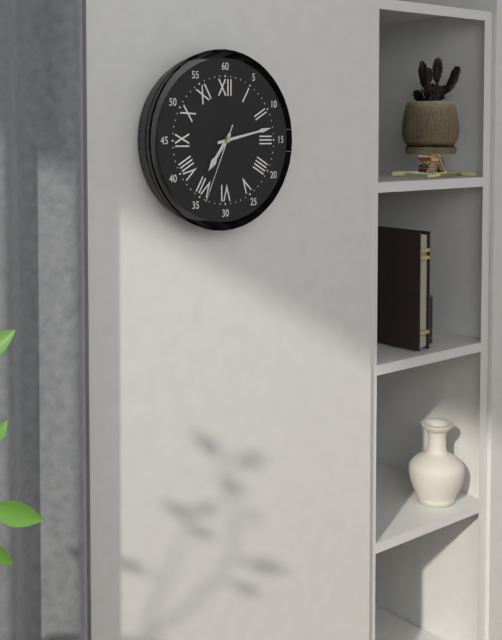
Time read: 7h13m34s
